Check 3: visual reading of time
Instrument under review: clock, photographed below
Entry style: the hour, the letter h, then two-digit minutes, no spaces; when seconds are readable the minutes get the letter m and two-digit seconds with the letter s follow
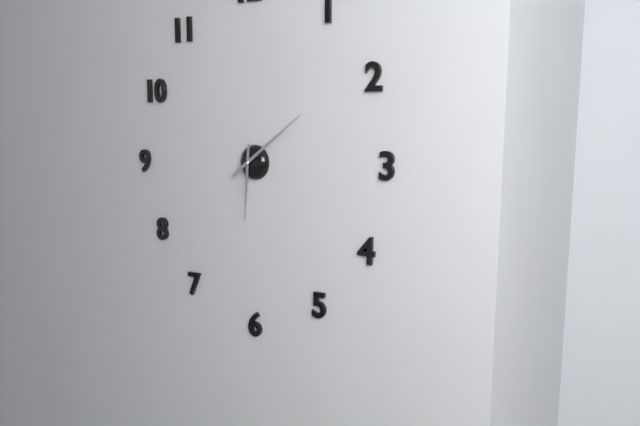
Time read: 6h09
